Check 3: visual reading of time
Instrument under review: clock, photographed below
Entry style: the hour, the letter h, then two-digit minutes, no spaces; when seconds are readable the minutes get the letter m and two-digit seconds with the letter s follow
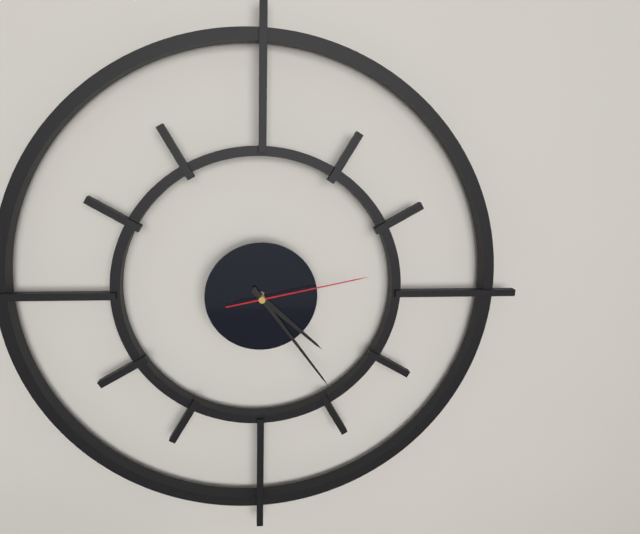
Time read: 4h24m13s
